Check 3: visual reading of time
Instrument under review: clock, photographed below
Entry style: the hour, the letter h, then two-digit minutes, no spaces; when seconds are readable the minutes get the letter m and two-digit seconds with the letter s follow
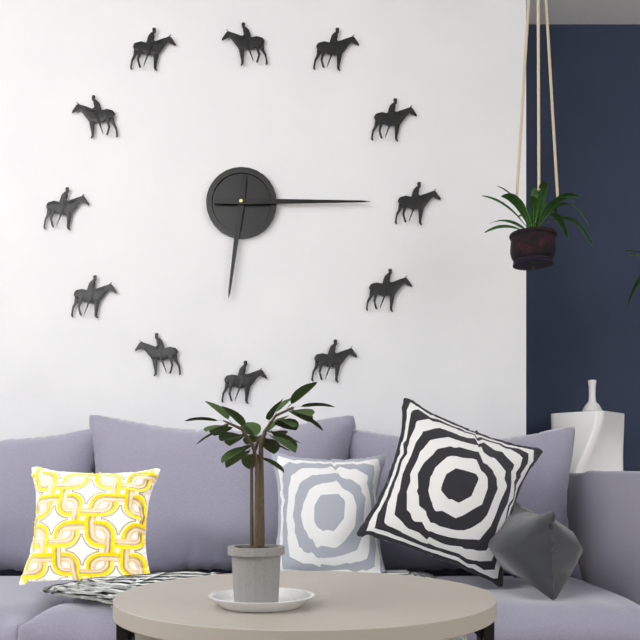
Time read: 6h15
